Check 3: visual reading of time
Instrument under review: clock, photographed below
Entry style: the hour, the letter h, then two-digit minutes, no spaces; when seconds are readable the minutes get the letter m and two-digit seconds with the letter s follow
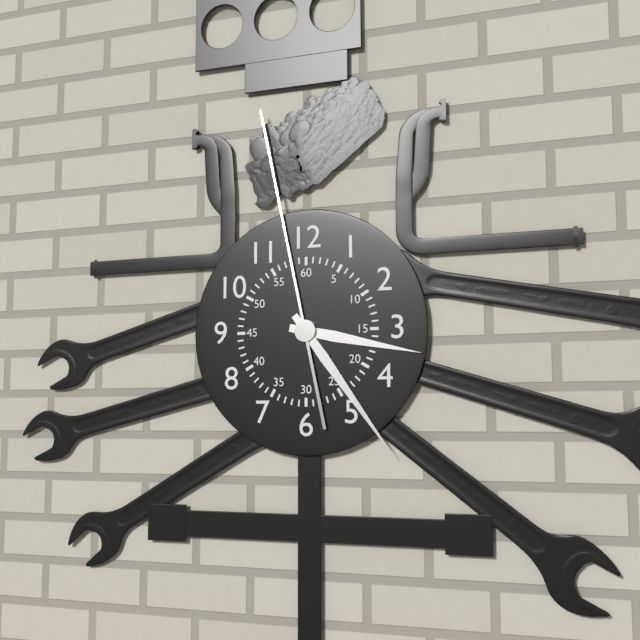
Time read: 3h24m58s
